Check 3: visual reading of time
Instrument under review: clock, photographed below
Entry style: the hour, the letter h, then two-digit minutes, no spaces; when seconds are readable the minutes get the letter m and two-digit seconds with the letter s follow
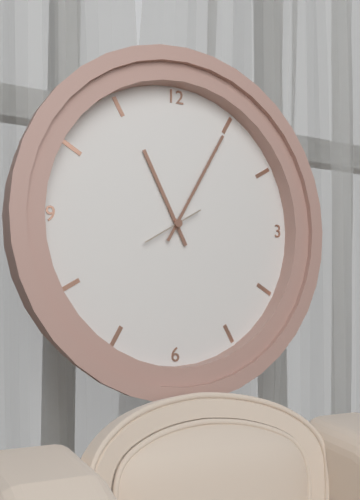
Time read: 11h05
